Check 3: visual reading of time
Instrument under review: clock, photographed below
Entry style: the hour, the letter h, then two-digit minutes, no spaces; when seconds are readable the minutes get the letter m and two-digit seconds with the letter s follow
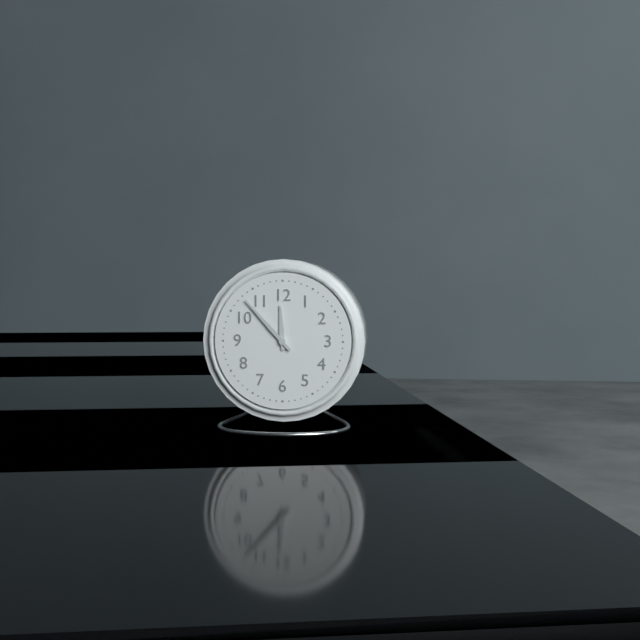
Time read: 11h53
